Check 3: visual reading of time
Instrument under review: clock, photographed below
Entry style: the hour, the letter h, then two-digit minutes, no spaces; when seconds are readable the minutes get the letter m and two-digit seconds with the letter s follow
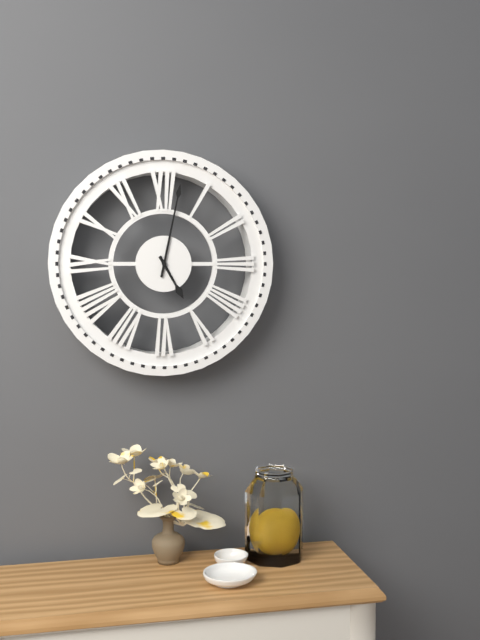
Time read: 5h02
